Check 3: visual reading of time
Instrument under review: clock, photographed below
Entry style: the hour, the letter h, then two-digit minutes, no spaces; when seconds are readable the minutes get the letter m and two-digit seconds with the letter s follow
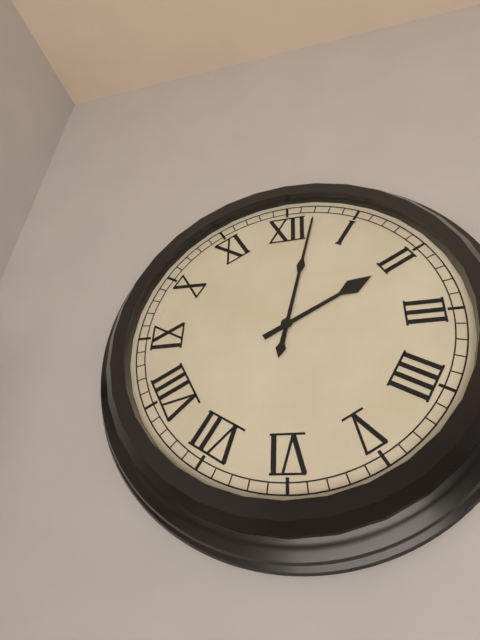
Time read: 2h02
